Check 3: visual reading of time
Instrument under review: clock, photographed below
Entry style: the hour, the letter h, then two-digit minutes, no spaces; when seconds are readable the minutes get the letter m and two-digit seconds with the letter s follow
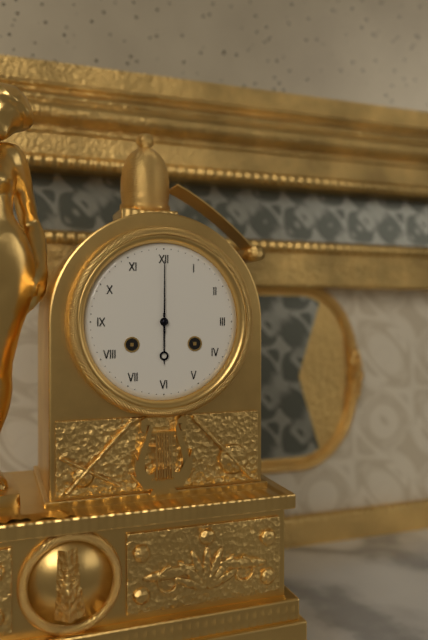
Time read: 6h00
